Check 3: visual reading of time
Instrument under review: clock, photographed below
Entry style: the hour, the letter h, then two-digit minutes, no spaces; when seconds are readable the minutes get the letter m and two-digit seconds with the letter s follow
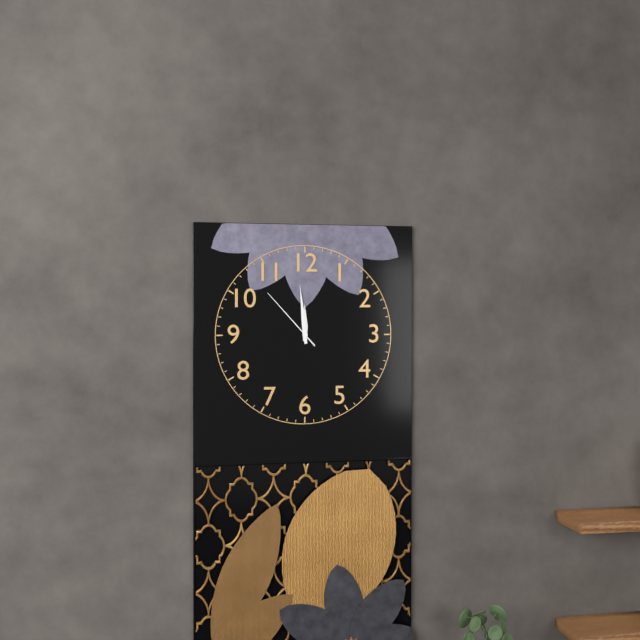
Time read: 11h59m53s
